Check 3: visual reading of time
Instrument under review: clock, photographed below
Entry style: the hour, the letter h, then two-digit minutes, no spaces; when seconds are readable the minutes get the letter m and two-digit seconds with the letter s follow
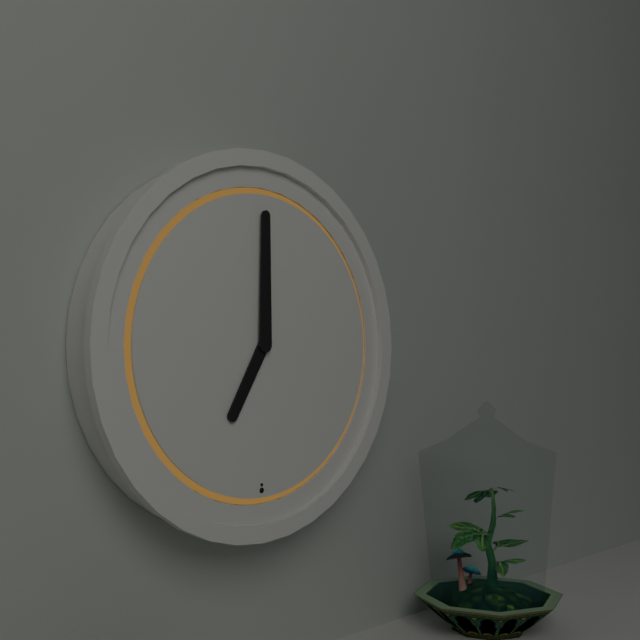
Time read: 7h00
